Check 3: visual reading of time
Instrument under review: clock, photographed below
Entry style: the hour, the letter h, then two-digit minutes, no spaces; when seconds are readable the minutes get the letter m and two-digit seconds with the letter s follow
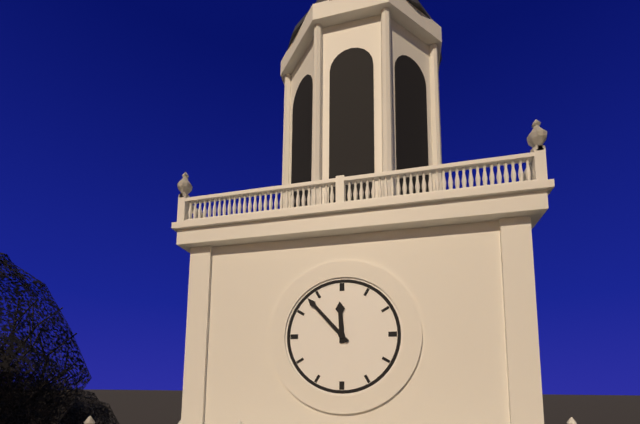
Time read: 11h53
